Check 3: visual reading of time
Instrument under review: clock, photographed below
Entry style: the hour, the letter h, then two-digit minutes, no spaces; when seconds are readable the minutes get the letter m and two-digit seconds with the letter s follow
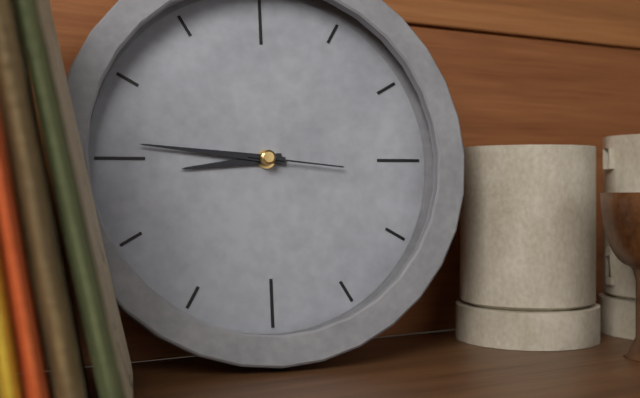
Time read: 8h46m16s
